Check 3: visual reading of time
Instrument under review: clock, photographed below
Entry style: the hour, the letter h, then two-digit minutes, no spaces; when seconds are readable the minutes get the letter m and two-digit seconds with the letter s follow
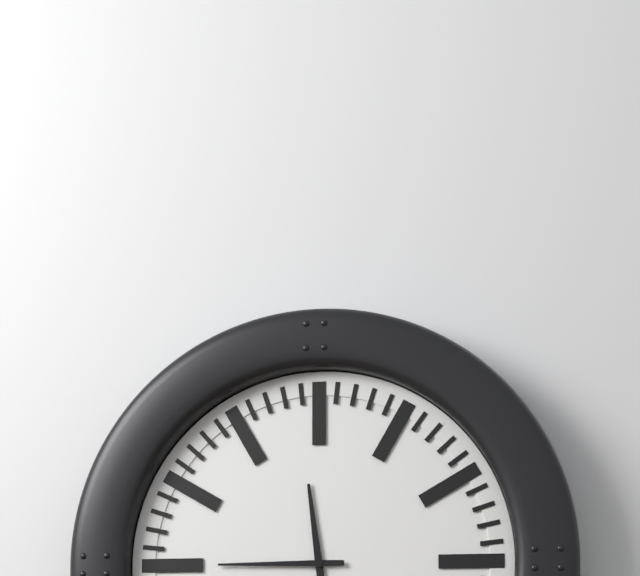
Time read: 11h45
